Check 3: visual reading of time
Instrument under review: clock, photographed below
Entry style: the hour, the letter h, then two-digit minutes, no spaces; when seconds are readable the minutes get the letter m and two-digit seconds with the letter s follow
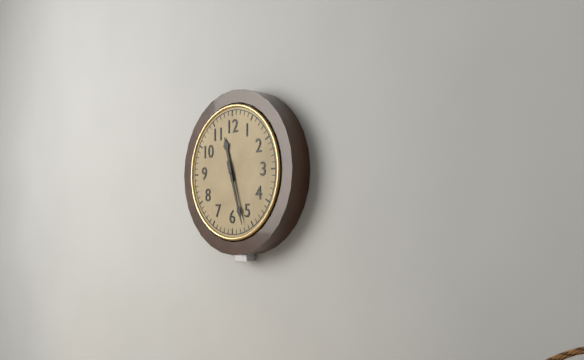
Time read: 11h27
